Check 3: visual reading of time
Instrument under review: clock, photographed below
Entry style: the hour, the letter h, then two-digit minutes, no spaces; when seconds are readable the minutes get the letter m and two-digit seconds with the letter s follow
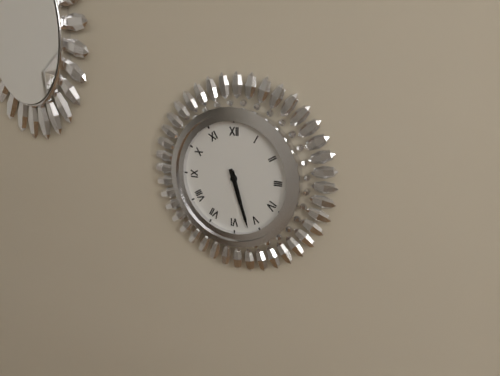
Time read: 5h27
